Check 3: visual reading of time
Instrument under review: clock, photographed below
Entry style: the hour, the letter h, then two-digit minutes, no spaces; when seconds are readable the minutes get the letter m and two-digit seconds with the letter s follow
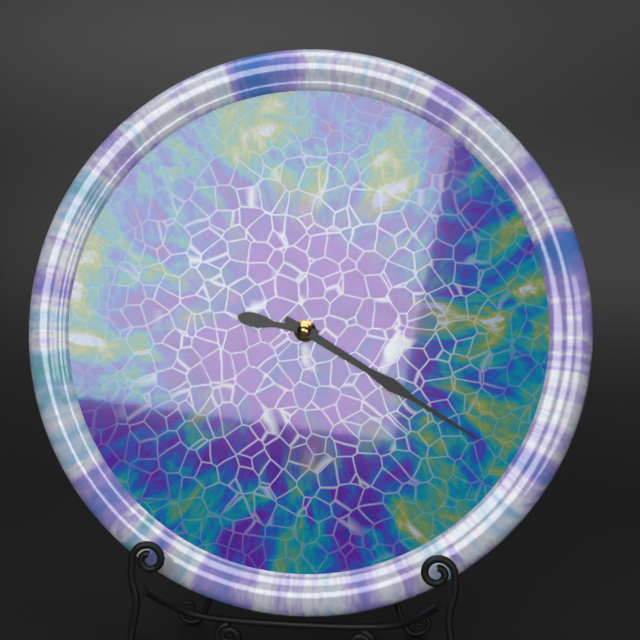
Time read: 9h20
